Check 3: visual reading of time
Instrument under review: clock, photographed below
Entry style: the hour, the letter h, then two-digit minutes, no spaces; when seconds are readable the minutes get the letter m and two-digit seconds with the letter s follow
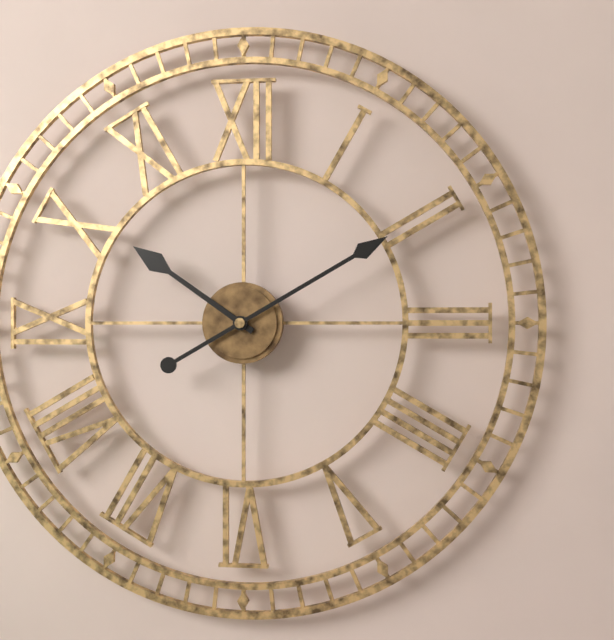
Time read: 10h10
